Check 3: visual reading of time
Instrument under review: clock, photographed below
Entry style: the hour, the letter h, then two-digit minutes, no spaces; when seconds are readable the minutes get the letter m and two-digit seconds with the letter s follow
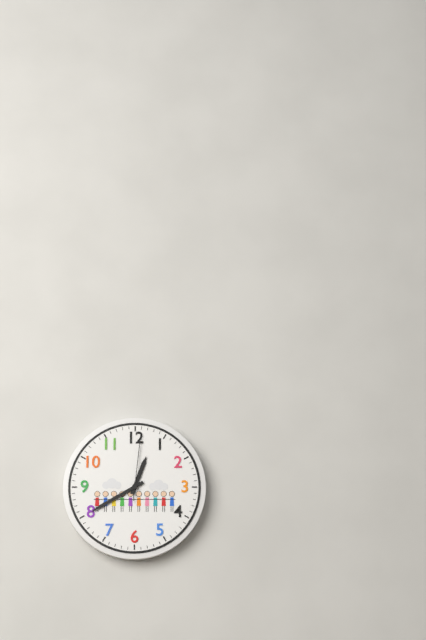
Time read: 12h40m01s
